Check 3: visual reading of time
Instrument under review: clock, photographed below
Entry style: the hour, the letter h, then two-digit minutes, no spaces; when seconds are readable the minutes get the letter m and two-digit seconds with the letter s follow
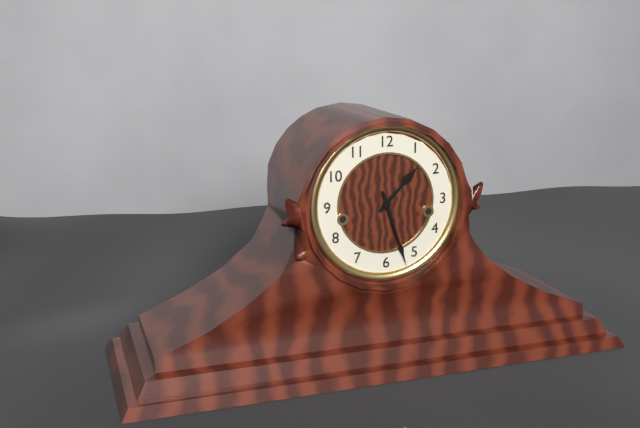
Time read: 1h27
